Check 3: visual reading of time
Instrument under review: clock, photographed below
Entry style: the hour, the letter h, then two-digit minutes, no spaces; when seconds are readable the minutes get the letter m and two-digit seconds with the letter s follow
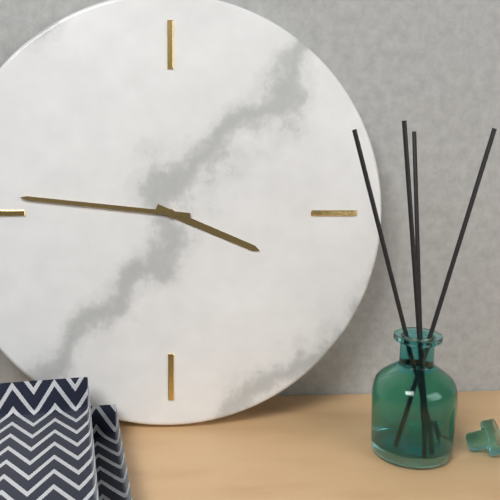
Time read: 3h46
